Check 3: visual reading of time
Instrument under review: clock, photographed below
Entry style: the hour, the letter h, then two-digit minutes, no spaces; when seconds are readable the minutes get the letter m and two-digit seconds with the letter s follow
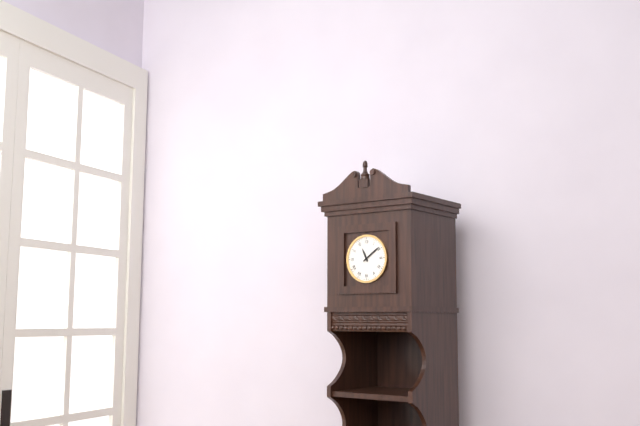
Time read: 11h09
